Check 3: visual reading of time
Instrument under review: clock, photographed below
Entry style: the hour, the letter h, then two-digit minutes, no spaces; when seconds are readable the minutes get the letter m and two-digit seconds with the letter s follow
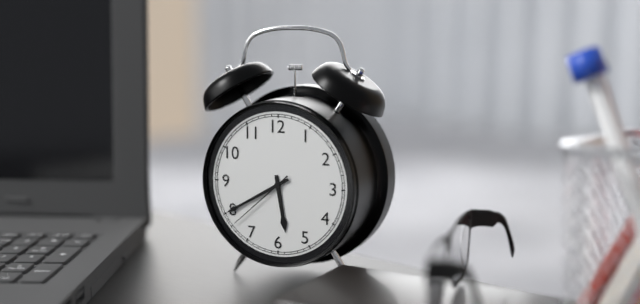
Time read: 5h40m38s
